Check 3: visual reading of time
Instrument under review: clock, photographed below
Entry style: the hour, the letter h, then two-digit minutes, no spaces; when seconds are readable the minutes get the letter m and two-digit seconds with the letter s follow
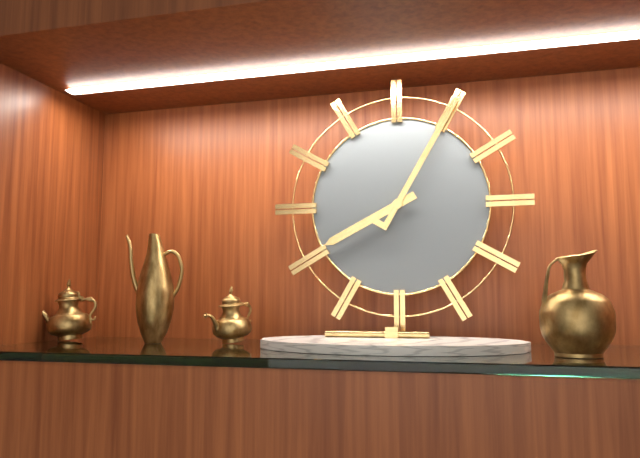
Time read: 8h05
